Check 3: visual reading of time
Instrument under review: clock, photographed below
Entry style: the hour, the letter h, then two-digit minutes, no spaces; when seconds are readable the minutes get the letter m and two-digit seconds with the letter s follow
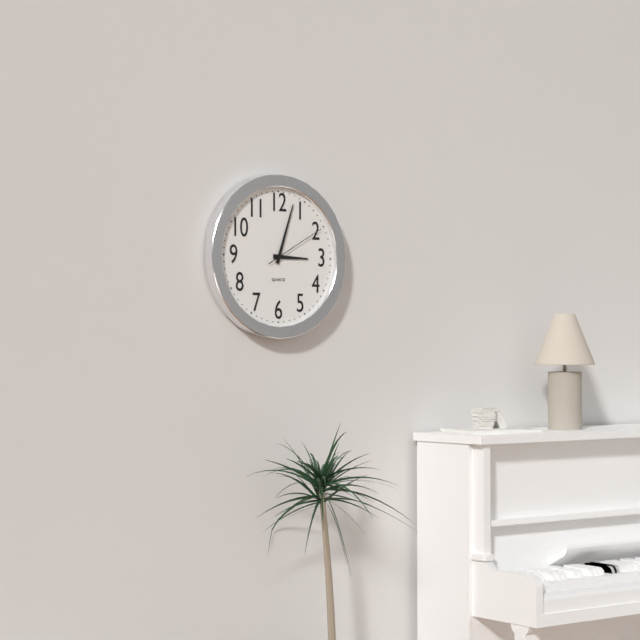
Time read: 3h03m10s
